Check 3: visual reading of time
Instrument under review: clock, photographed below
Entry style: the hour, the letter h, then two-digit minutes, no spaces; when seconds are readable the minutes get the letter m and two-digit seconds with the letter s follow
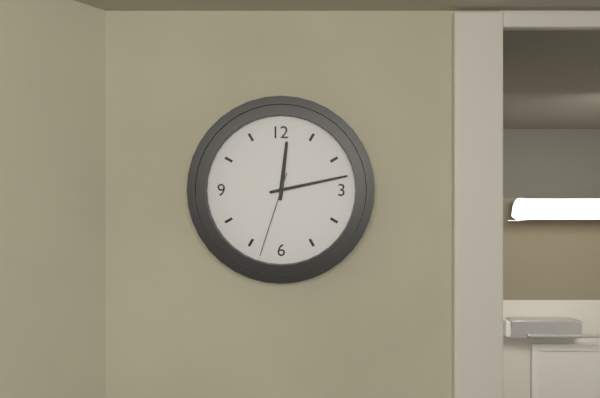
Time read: 12h13m33s
